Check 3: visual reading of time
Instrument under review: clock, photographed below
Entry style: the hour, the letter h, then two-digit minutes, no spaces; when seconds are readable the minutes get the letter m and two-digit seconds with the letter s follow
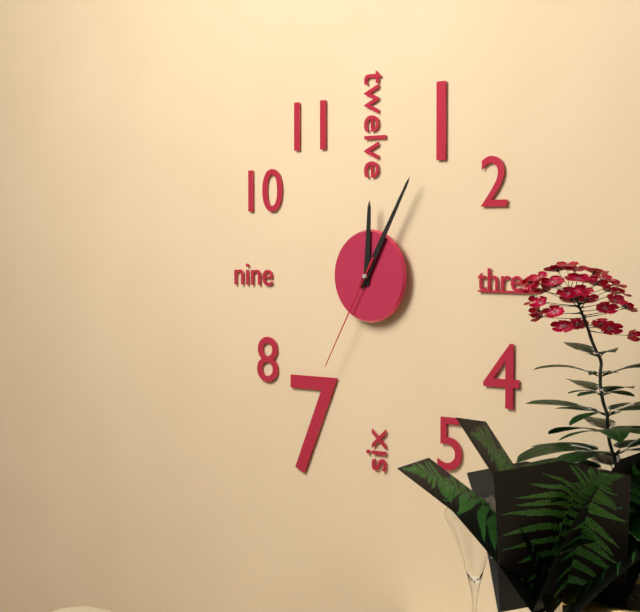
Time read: 12h05m35s
